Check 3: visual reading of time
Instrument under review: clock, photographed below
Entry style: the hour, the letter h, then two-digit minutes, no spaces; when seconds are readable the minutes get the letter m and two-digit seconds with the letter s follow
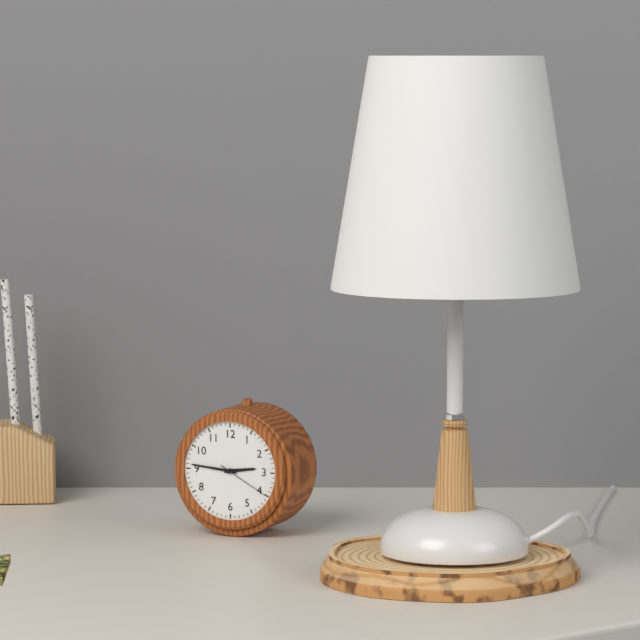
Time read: 2h46m20s
